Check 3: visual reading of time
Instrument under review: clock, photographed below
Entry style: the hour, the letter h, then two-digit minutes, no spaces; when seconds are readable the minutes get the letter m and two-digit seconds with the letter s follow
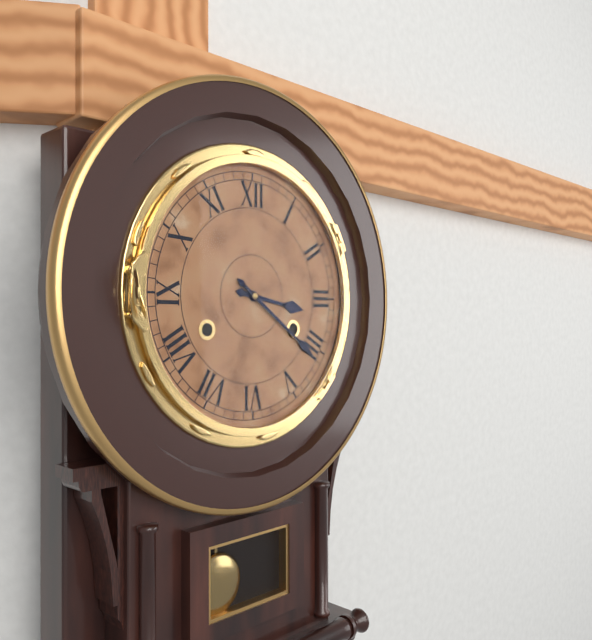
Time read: 3h21
